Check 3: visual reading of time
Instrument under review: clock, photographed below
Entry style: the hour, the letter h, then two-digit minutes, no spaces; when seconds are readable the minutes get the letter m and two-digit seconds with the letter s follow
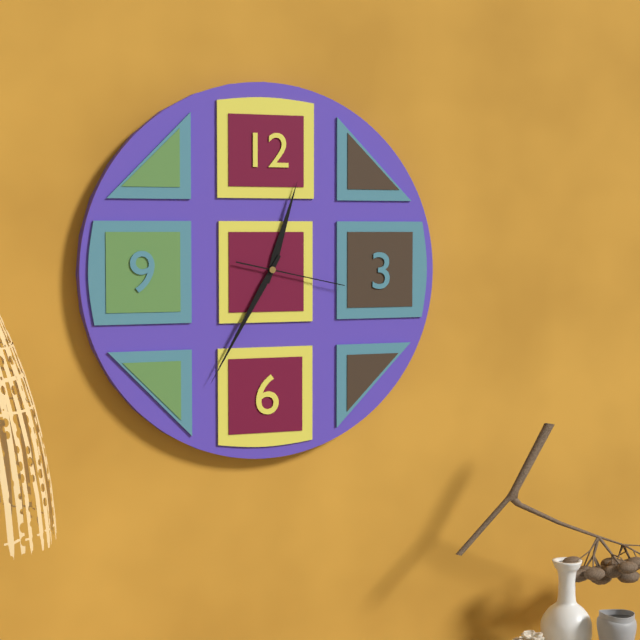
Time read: 12h35m17s
